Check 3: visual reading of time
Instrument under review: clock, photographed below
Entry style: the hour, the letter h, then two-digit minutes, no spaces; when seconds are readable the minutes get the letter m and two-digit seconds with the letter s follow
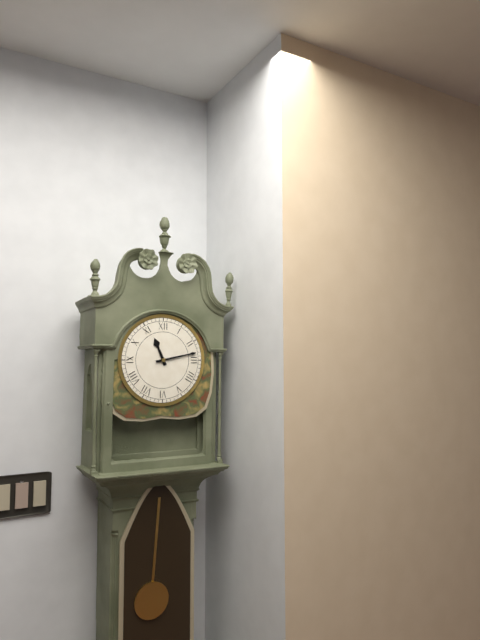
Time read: 11h13
